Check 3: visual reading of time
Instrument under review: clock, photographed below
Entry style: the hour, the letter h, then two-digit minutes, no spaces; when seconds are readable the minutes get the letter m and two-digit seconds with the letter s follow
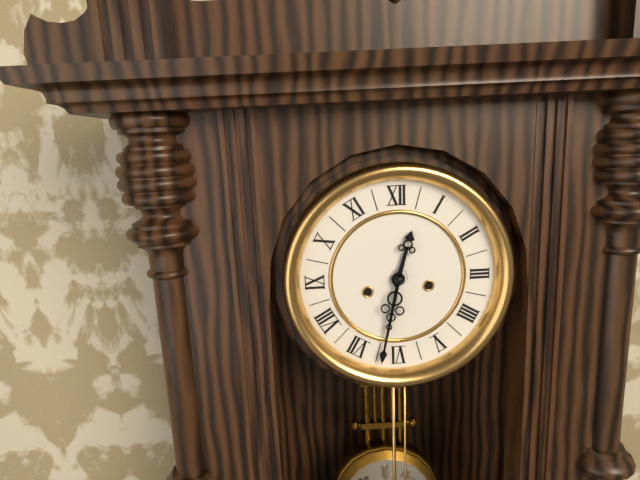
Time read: 12h32
